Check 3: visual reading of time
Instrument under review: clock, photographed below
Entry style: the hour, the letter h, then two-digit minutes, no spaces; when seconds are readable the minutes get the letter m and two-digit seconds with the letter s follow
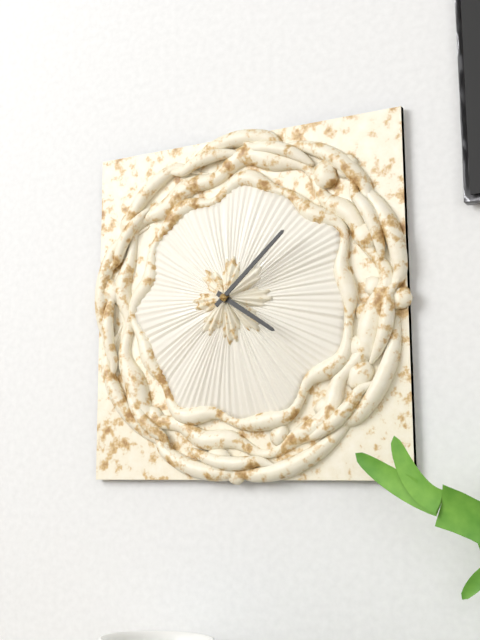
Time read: 4h08
